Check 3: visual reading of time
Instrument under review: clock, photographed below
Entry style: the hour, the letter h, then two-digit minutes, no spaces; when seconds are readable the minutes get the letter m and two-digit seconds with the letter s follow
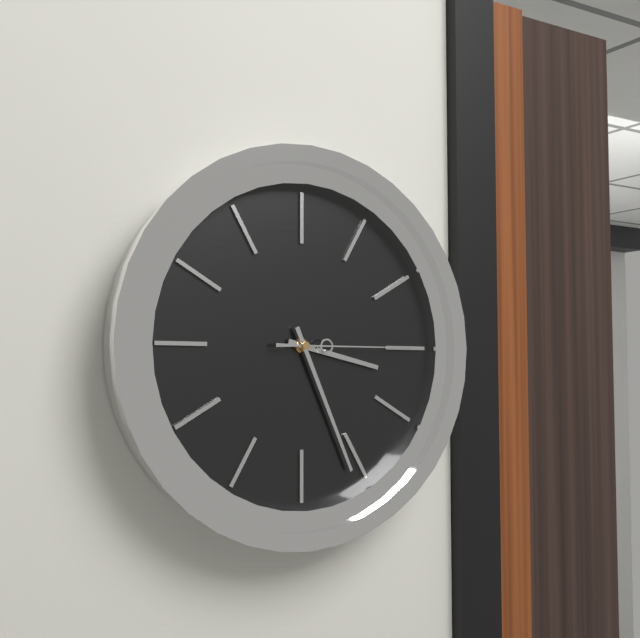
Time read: 3h26m15s
